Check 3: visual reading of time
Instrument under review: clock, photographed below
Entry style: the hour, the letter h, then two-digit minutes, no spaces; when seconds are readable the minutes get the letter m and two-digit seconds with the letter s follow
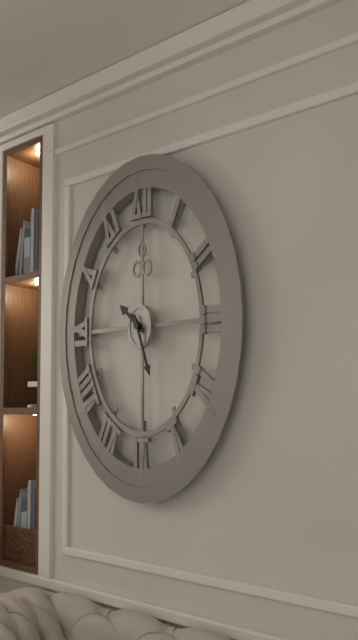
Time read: 10h27
